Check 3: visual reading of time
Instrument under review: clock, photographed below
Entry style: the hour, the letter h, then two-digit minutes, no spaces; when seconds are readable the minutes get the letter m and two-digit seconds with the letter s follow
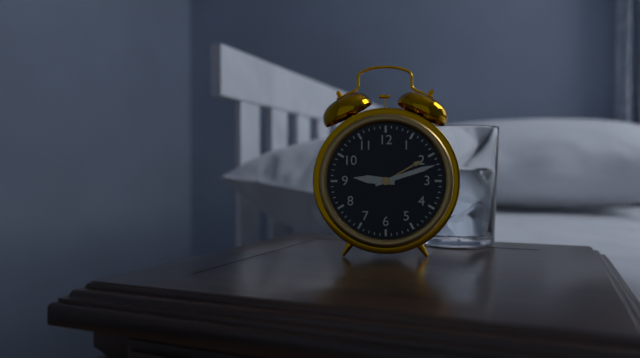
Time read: 9h12
